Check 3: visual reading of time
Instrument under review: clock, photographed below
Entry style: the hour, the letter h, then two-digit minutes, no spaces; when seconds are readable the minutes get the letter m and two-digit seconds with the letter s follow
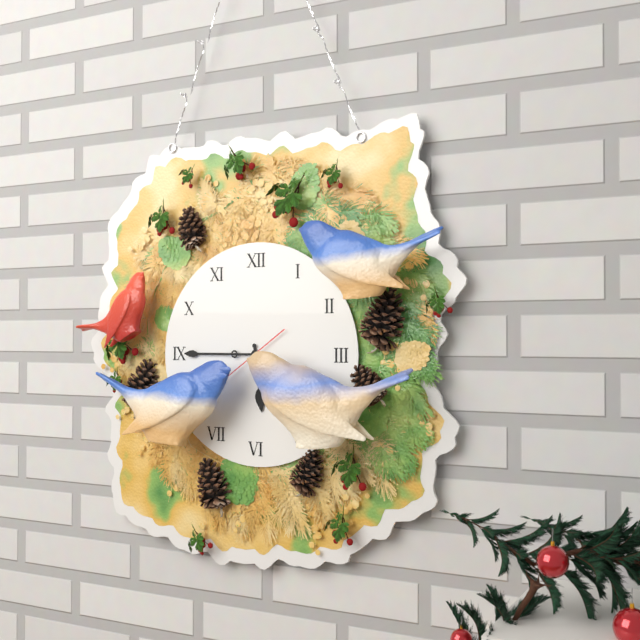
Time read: 5h45
